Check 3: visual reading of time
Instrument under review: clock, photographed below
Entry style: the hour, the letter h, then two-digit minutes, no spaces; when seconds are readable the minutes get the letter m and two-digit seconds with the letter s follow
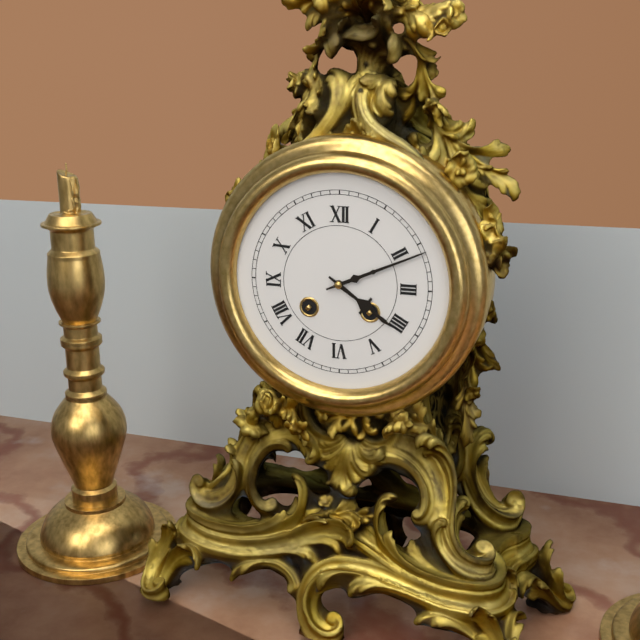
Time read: 4h11
